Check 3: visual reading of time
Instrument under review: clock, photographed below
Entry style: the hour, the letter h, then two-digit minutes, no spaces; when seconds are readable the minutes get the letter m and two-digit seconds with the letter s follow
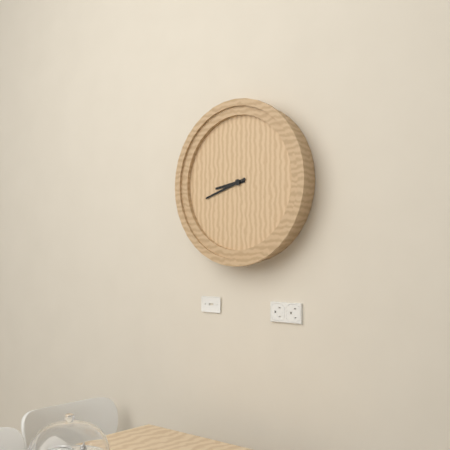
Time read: 8h42
